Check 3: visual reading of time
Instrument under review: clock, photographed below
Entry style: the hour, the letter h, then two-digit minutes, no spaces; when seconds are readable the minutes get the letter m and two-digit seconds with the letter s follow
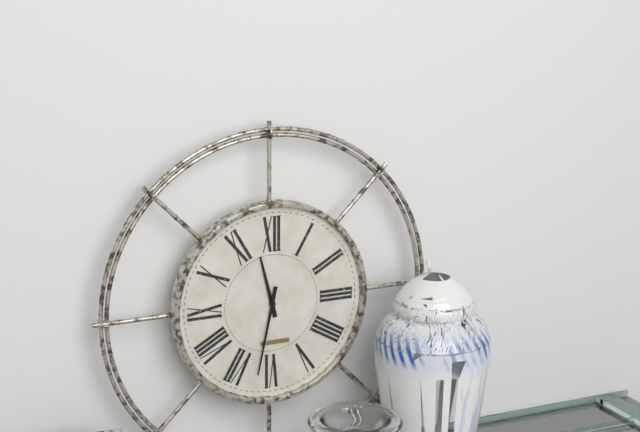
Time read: 11h32
